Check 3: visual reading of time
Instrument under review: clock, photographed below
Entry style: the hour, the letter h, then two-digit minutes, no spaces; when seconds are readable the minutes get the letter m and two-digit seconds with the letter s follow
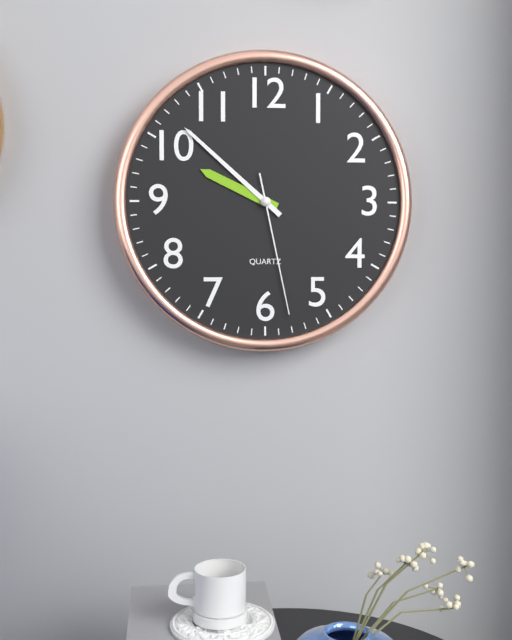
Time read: 9h52m28s
